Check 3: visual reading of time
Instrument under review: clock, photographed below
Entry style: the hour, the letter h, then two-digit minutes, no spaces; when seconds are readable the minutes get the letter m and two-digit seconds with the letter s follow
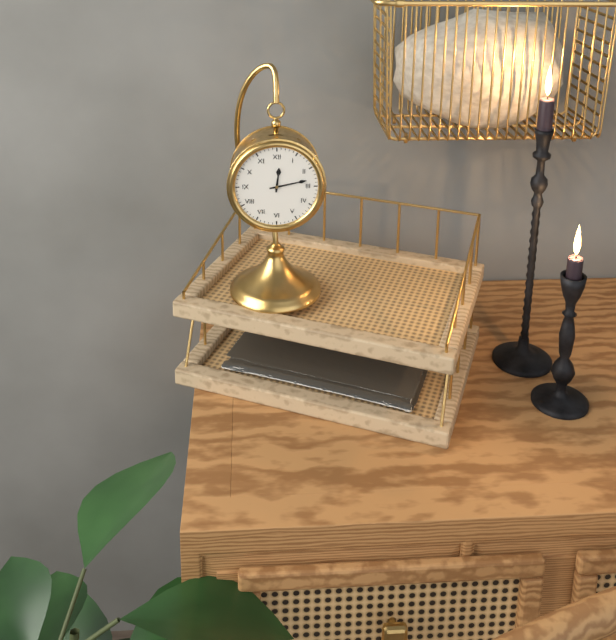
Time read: 12h13
